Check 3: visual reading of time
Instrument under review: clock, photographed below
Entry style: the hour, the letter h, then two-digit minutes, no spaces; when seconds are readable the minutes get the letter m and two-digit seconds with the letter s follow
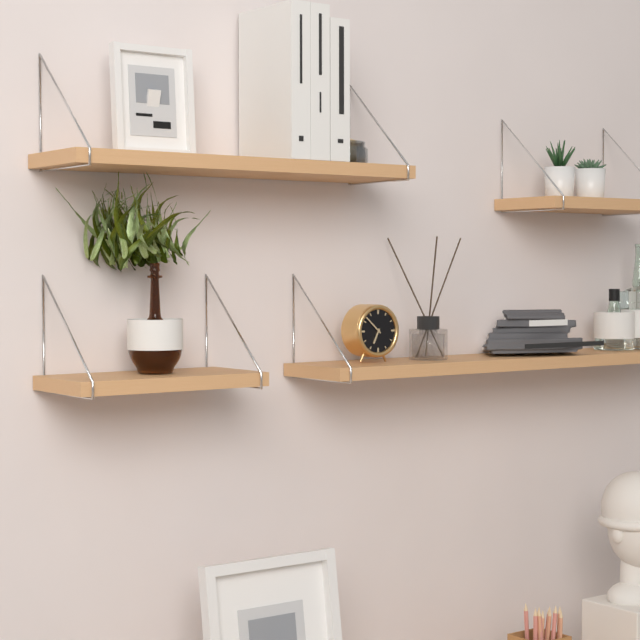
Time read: 6h52
